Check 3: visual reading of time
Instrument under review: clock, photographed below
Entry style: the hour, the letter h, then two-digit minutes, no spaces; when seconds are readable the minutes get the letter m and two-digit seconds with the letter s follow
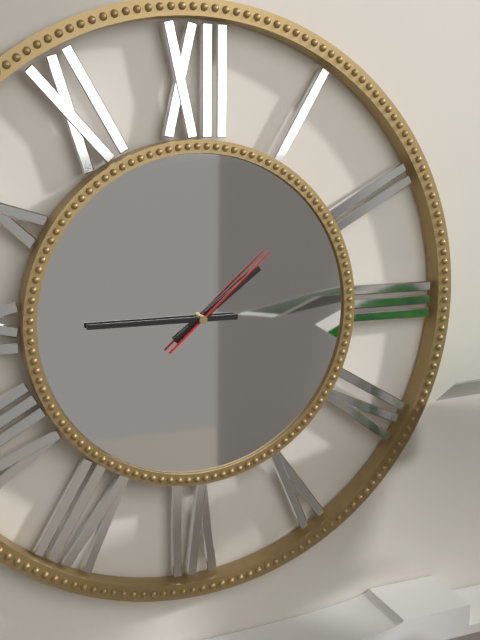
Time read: 1h45m08s
